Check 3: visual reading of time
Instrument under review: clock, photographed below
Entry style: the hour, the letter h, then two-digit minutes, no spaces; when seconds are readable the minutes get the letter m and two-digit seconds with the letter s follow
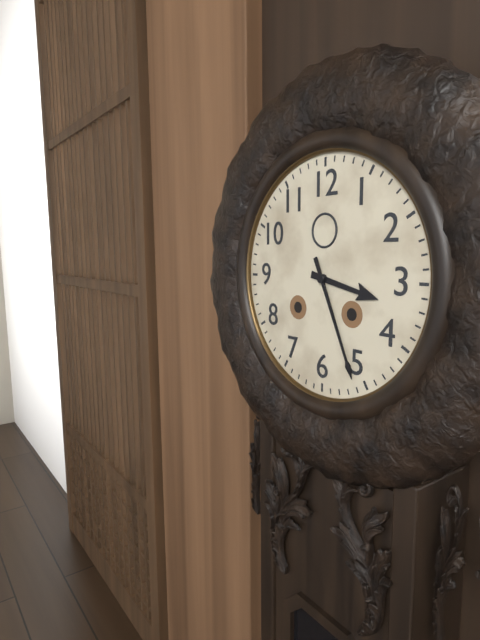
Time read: 3h26
